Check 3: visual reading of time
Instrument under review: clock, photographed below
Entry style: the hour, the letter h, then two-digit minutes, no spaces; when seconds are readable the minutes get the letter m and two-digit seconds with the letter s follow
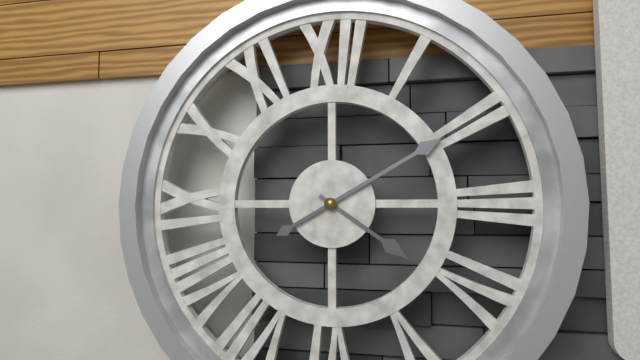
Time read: 4h10
